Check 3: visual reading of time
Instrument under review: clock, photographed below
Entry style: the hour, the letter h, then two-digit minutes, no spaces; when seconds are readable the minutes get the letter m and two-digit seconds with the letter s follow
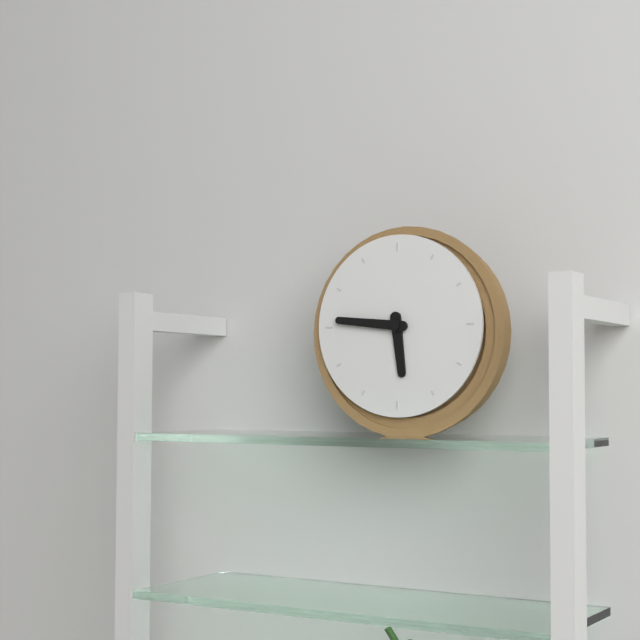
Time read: 5h46
